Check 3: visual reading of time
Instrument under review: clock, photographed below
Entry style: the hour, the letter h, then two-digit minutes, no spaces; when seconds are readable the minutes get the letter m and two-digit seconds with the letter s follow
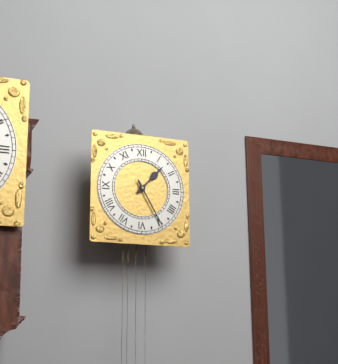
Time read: 1h25
